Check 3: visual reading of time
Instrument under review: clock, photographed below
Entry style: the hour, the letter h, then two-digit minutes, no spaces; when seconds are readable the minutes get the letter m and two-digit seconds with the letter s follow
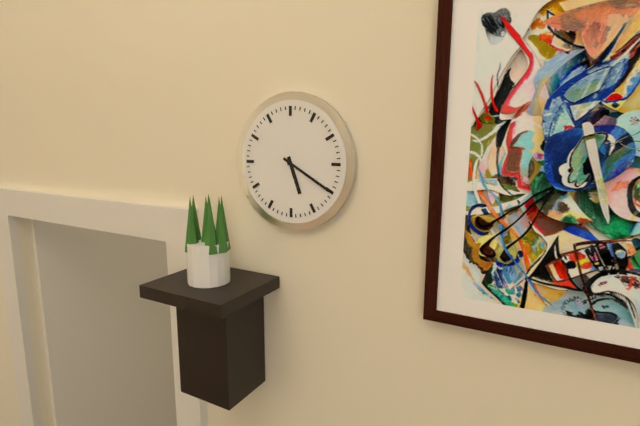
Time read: 5h20
